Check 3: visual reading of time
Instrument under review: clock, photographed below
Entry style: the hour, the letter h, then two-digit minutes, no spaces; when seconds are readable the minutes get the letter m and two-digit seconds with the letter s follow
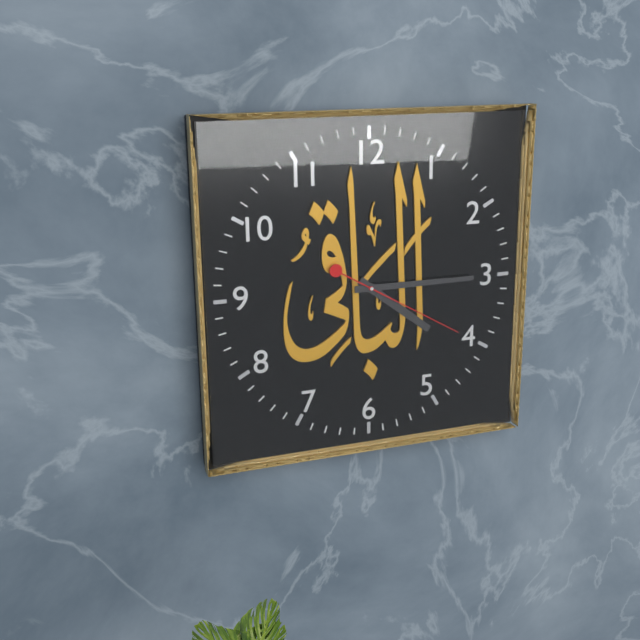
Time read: 4h15m20s
